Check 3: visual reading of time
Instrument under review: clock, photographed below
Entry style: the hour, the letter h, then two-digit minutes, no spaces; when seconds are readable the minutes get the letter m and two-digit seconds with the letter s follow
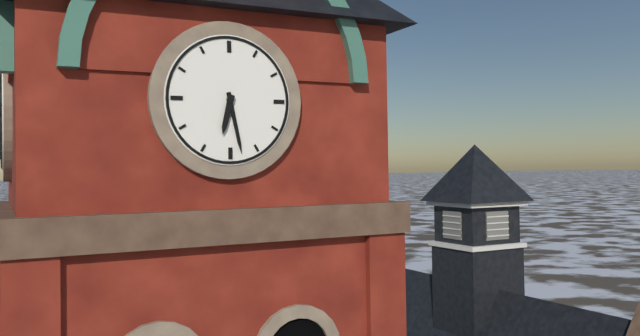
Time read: 6h28
